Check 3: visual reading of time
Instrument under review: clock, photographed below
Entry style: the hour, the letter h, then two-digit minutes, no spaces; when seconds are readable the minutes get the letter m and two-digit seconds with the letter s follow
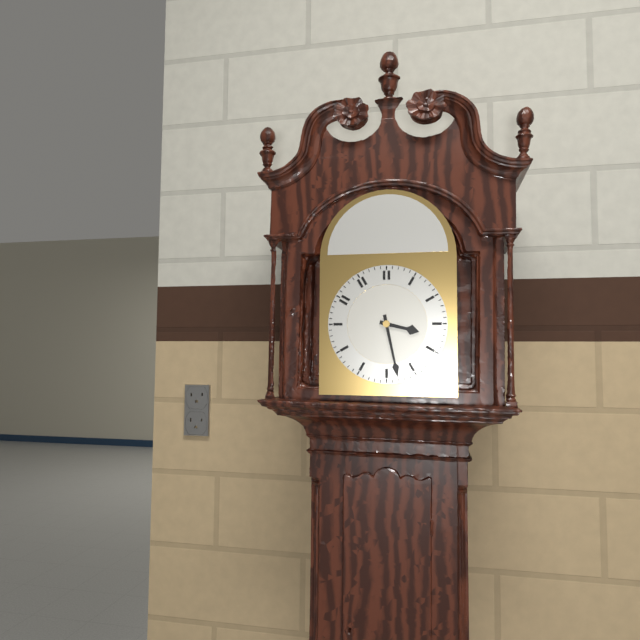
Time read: 3h28
